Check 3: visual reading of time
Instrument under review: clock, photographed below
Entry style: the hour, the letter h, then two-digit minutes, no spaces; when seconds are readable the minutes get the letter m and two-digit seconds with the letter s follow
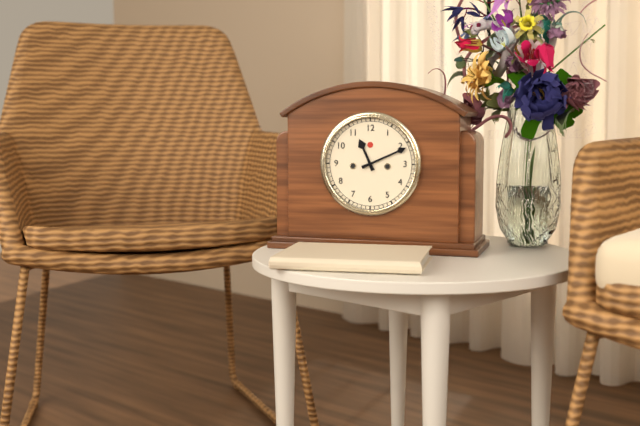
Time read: 11h11
